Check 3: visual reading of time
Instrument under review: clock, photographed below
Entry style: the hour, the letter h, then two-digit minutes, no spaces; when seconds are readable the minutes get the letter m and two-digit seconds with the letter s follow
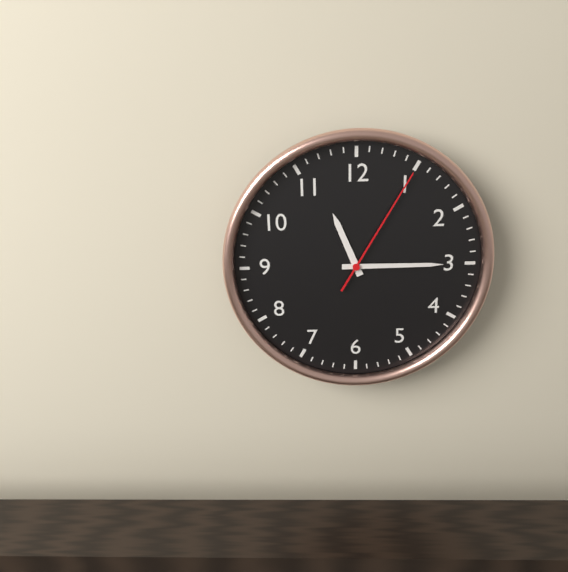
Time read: 11h15m05s
